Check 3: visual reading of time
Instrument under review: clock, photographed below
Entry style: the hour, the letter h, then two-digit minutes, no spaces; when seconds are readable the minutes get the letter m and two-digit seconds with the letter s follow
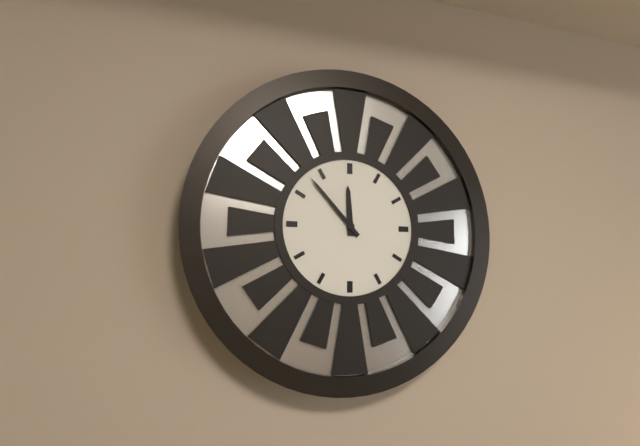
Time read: 11h53
